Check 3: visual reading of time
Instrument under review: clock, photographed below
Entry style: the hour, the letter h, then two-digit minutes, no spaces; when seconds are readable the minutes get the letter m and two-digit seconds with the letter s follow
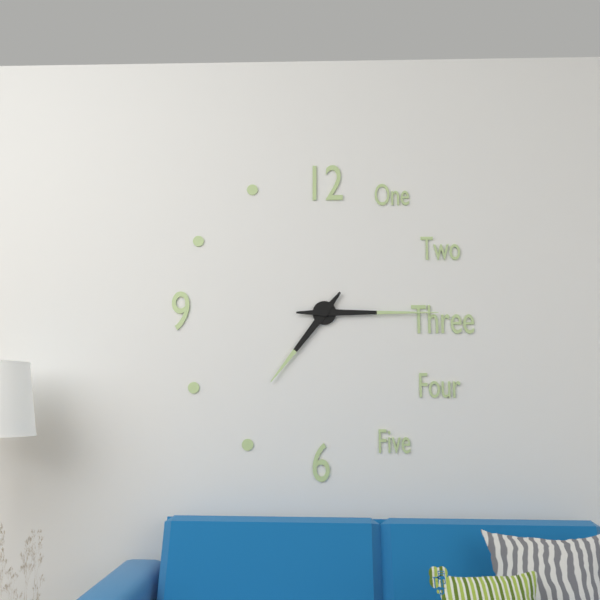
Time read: 7h15
